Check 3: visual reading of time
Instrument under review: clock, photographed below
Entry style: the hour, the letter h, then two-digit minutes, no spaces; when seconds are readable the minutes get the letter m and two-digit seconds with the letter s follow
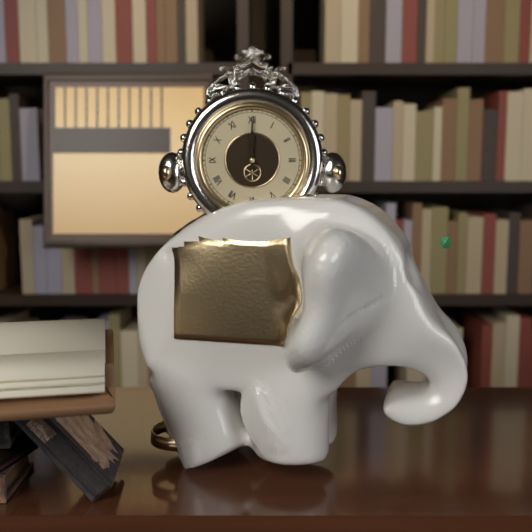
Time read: 12h00
